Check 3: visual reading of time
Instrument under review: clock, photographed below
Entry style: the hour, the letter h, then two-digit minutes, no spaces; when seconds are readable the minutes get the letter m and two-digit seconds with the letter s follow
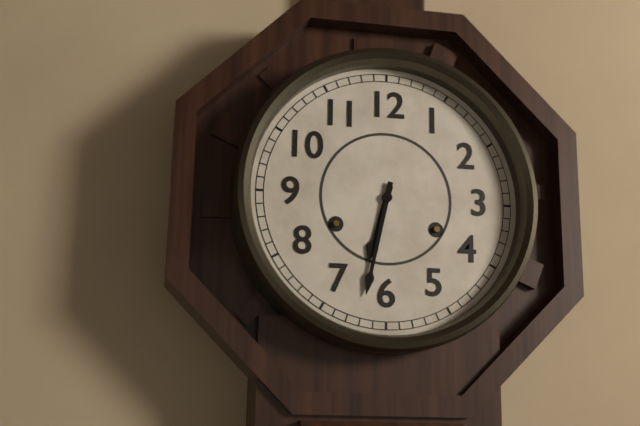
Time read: 6h32
